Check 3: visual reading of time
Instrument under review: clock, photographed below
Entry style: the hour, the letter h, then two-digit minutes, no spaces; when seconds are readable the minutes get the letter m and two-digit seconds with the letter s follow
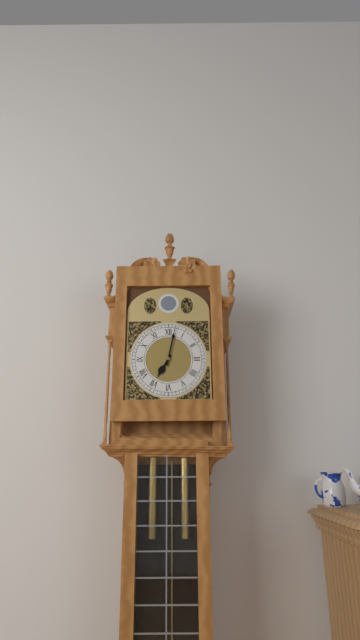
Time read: 7h02
